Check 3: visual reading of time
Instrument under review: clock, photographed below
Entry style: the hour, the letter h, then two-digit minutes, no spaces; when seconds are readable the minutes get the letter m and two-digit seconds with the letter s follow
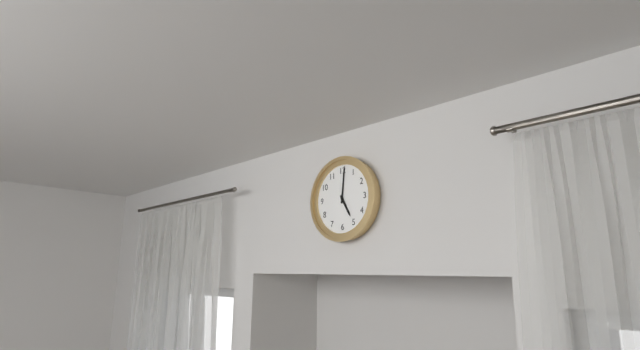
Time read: 5h01
